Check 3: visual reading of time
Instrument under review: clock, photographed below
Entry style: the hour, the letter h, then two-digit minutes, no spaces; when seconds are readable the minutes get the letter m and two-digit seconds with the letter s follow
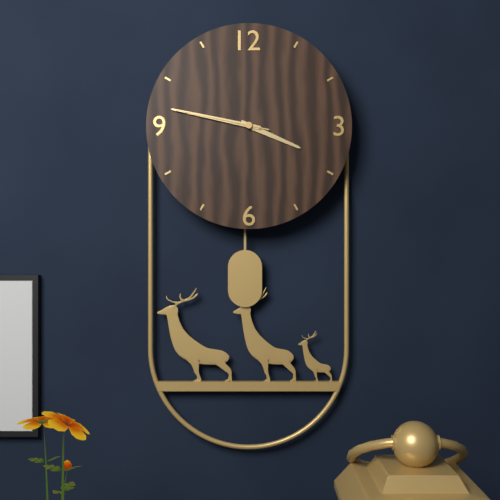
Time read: 3h47m47s
